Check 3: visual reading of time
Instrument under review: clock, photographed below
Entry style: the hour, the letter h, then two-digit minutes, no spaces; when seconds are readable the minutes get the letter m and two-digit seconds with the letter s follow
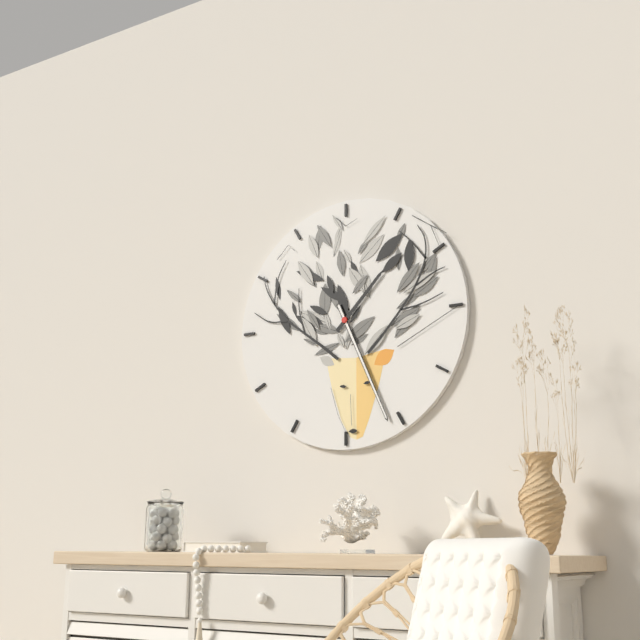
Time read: 1h26
